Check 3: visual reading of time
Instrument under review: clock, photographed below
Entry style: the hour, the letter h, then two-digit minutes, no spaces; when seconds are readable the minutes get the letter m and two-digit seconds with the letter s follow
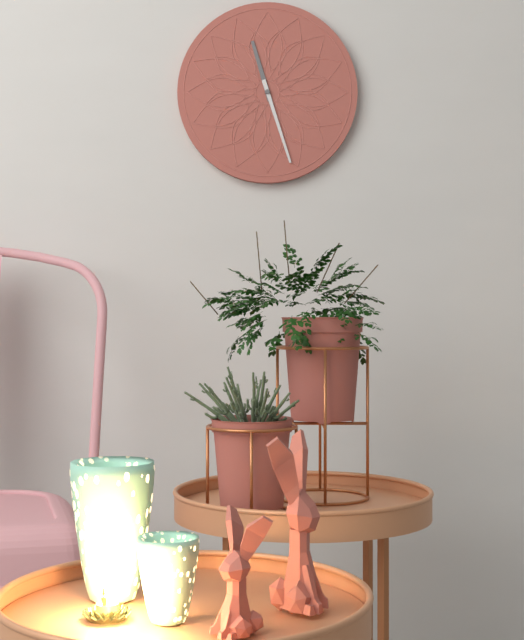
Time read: 11h27
